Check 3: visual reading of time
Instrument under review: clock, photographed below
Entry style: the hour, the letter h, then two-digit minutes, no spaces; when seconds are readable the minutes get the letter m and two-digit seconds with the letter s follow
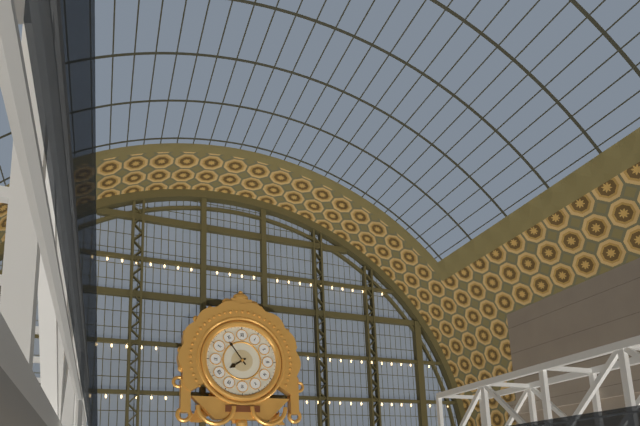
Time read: 7h54
